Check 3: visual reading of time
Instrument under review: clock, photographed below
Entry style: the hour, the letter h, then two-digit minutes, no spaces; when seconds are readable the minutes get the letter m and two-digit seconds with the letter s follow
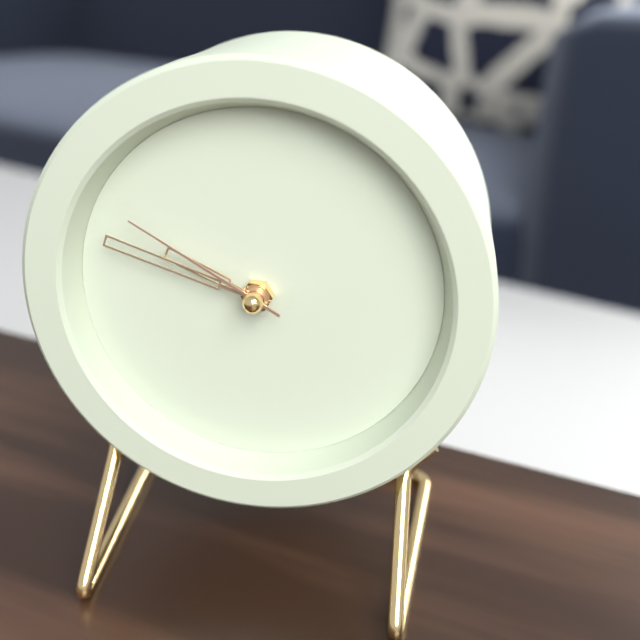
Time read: 9h48m50s
